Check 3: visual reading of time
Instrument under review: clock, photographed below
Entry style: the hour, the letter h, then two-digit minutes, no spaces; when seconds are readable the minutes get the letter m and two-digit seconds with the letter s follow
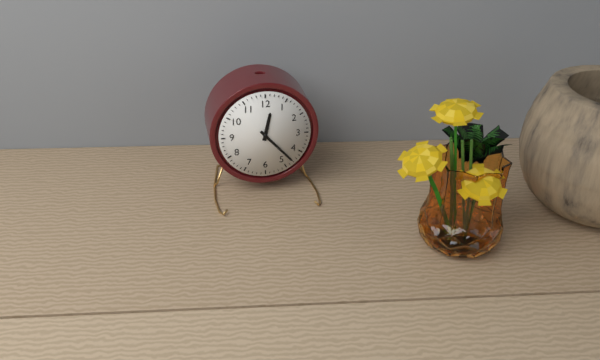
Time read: 12h23
